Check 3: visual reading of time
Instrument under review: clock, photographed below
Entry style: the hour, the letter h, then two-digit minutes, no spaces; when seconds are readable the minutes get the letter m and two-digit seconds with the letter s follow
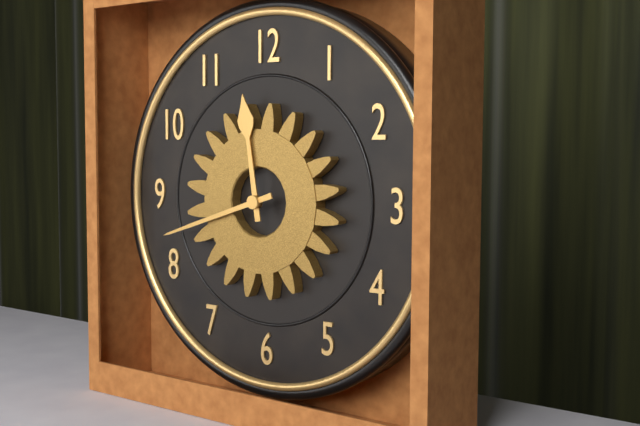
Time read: 11h42
